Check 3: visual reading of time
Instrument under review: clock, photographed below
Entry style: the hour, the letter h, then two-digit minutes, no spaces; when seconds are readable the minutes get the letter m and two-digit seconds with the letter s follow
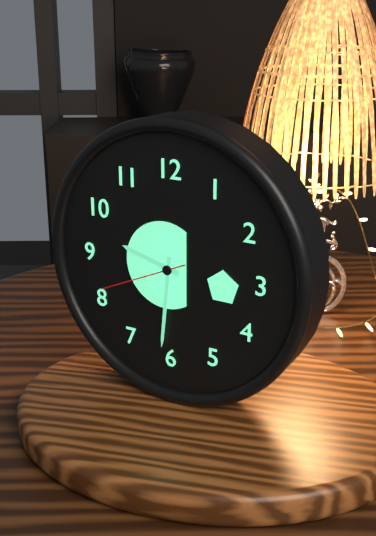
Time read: 9h31m41s
